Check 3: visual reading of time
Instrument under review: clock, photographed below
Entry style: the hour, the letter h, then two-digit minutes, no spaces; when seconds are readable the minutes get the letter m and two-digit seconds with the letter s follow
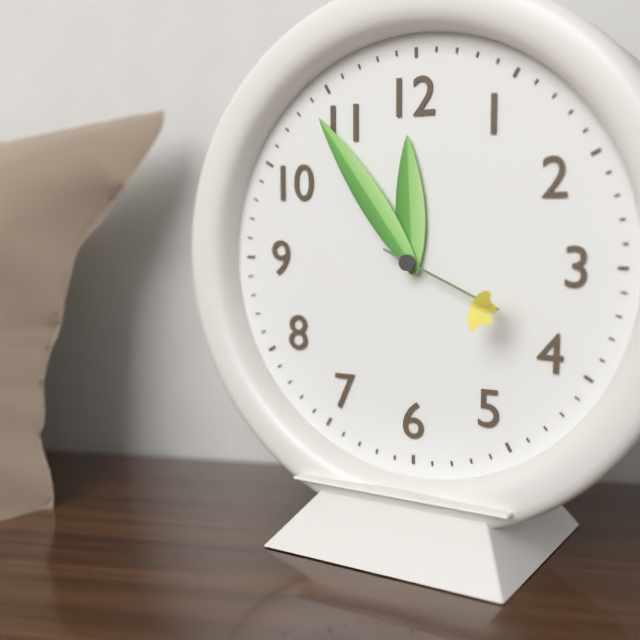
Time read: 11h54m19s
